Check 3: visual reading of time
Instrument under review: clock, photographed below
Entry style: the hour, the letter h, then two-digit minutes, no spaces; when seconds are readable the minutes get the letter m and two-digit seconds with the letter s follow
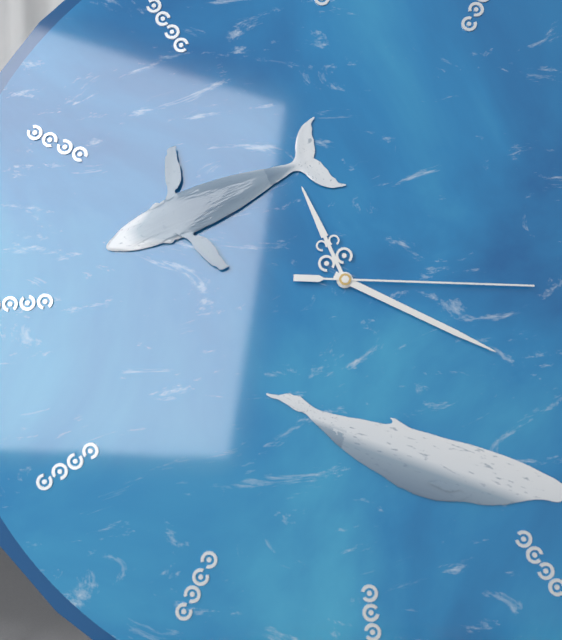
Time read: 11h20m16s
